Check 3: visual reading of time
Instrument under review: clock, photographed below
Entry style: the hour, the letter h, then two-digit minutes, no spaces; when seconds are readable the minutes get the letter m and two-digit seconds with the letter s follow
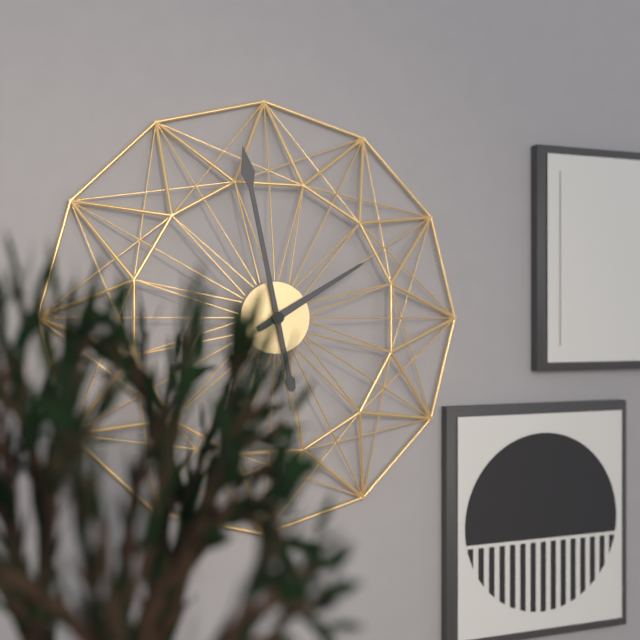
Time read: 1h58
